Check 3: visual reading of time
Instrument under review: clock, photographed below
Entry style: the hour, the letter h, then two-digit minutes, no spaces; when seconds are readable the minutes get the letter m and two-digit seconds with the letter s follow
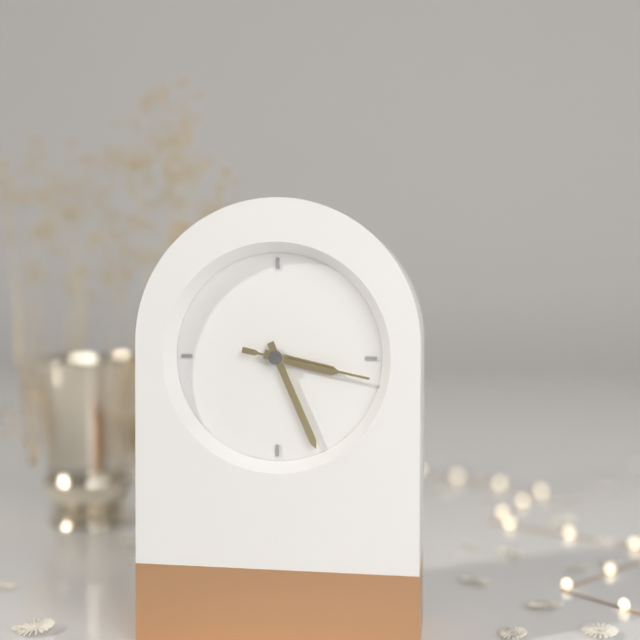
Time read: 3h26m17s
